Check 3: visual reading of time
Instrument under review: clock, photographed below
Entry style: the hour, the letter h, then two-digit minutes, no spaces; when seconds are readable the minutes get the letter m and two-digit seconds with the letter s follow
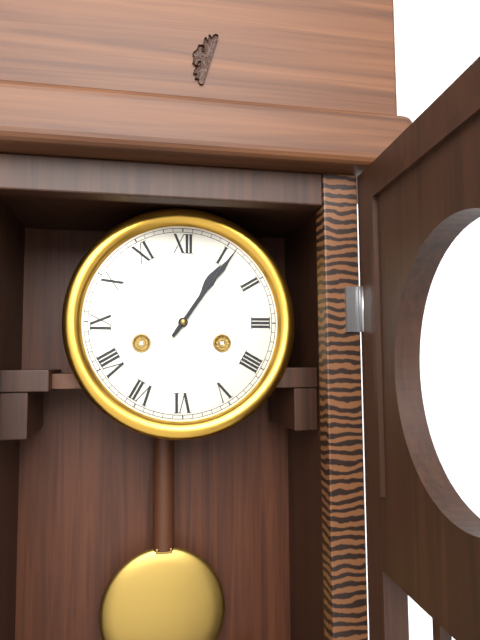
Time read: 1h06
